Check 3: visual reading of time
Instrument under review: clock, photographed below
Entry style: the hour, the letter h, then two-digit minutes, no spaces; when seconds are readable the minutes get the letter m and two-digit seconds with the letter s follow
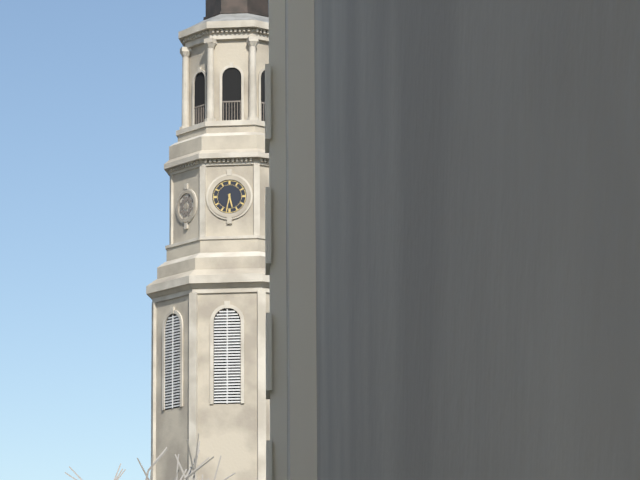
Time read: 5h32
